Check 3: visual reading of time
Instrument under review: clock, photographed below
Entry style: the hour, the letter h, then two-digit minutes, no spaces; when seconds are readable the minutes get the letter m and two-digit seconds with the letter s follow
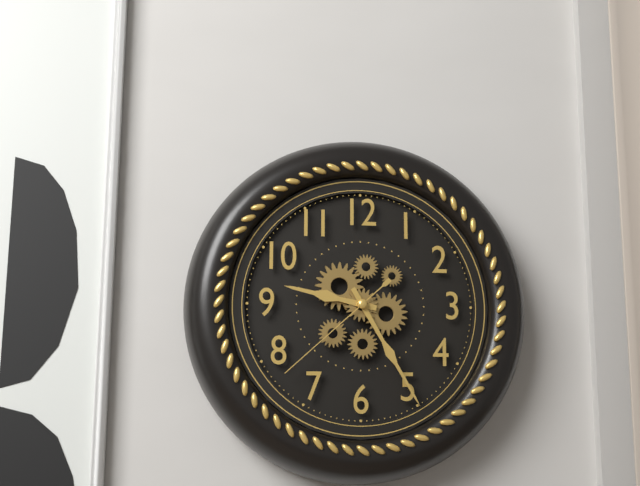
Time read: 9h25m38s
